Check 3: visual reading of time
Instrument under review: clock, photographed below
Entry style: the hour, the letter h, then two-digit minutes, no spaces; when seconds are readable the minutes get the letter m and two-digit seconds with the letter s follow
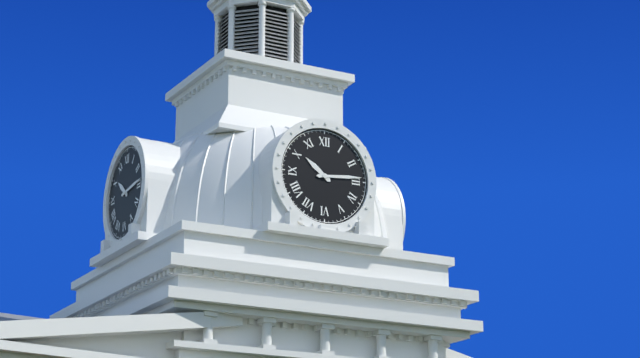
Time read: 10h14
